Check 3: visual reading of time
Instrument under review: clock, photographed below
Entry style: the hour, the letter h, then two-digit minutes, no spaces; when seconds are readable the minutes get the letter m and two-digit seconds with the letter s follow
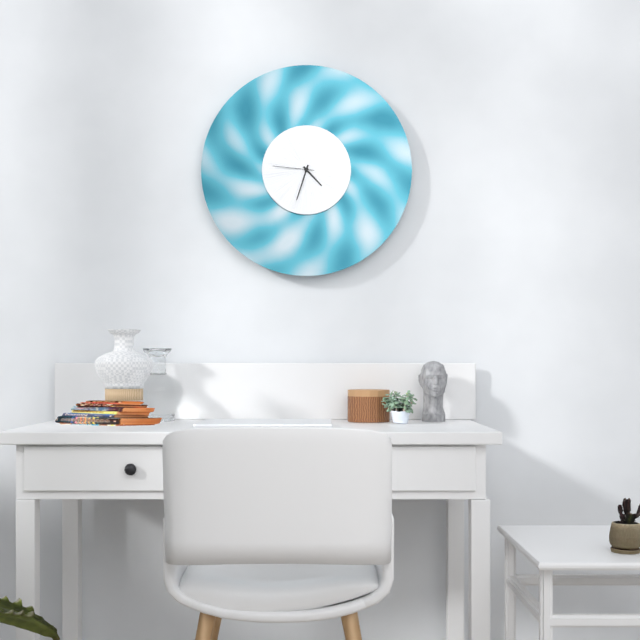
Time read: 4h33
